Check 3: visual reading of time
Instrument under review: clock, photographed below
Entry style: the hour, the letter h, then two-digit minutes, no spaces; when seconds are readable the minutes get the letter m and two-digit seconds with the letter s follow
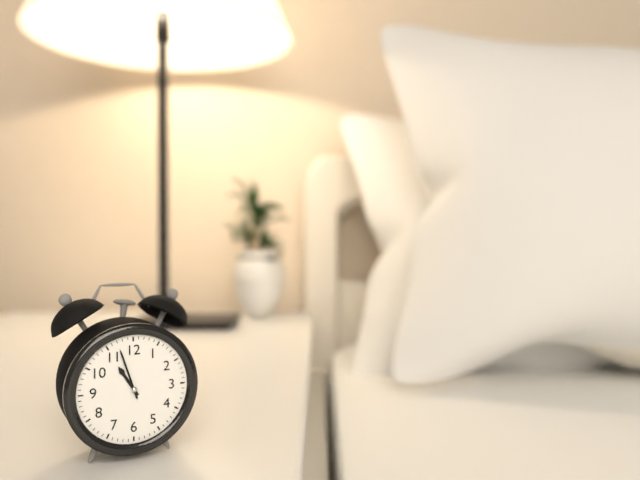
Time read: 10h57
